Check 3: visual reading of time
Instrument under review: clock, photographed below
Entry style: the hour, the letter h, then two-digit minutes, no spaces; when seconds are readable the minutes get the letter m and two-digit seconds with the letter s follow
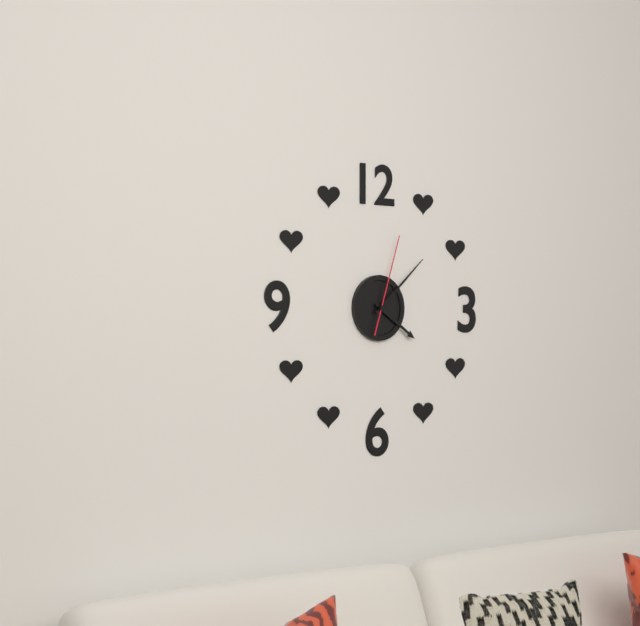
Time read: 4h08m03s
